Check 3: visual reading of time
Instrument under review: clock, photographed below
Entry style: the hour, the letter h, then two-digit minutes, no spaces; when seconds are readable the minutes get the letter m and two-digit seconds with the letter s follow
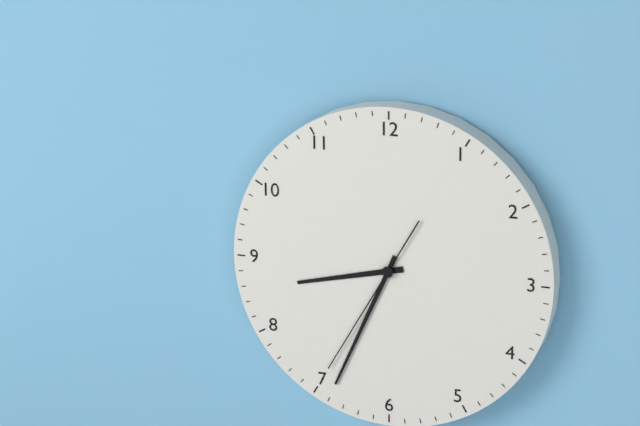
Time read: 8h34m35s
